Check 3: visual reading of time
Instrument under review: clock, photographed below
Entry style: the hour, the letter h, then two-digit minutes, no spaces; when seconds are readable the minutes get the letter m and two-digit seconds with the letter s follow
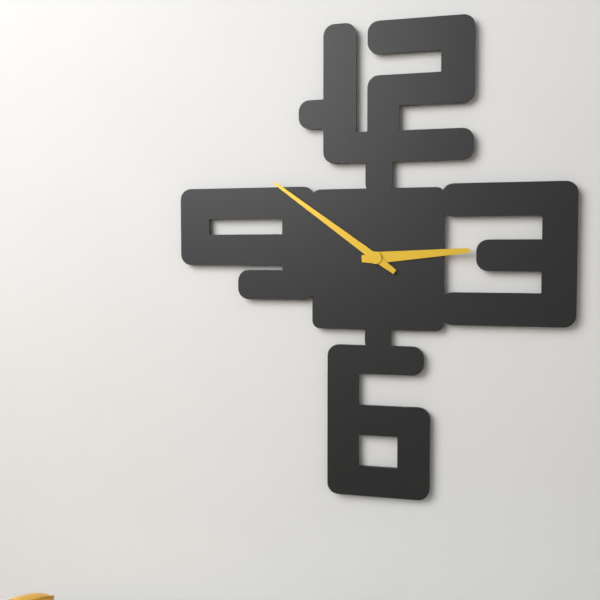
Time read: 2h51
